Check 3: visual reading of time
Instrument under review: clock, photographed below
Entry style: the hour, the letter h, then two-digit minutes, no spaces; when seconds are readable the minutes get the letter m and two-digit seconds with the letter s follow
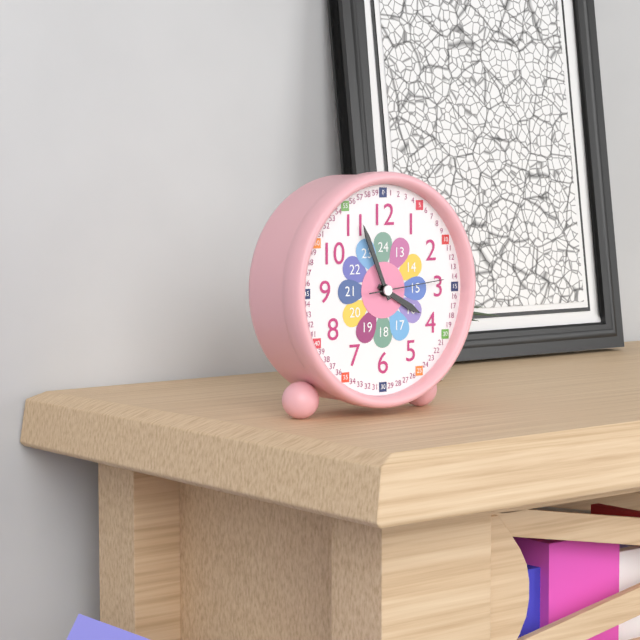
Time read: 3h56m14s
